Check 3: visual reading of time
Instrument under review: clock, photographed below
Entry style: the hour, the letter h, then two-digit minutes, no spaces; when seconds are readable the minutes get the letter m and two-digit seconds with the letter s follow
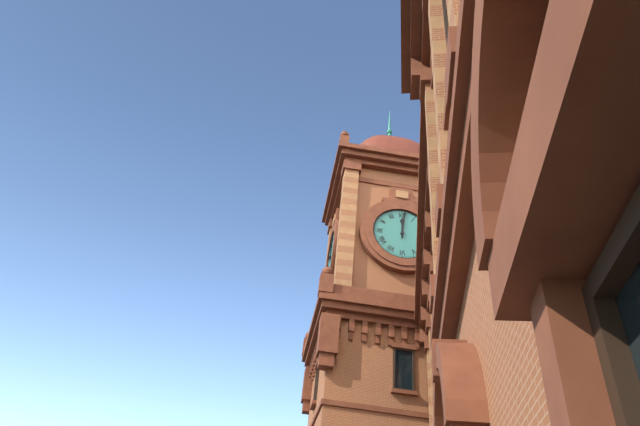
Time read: 12h01
